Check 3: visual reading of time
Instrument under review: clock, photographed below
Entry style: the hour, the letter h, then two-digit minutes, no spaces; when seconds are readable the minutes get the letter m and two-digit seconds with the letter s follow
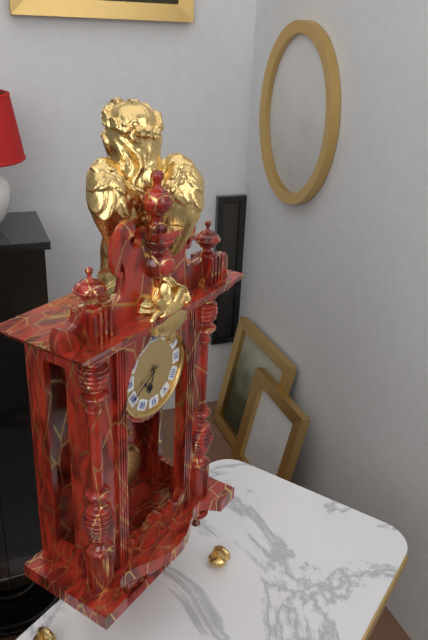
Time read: 6h40
